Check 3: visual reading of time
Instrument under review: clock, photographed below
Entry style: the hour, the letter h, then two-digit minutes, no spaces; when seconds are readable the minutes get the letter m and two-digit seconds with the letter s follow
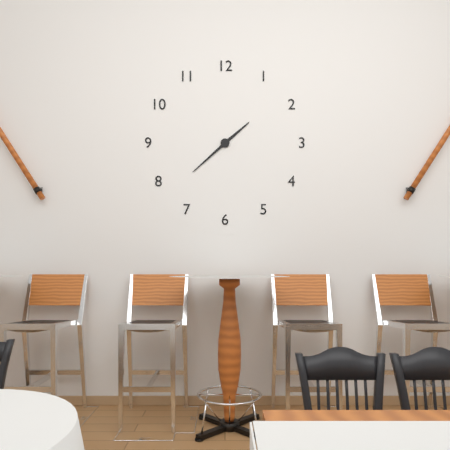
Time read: 1h38
